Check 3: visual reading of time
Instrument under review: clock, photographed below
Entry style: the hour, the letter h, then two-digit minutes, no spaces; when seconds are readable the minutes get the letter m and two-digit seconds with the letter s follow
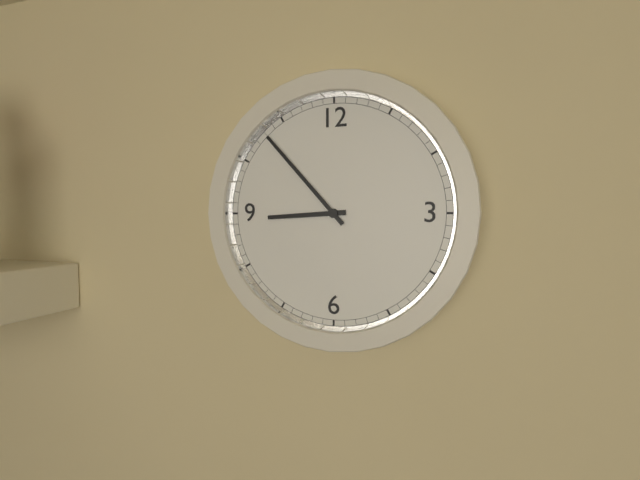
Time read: 8h53
